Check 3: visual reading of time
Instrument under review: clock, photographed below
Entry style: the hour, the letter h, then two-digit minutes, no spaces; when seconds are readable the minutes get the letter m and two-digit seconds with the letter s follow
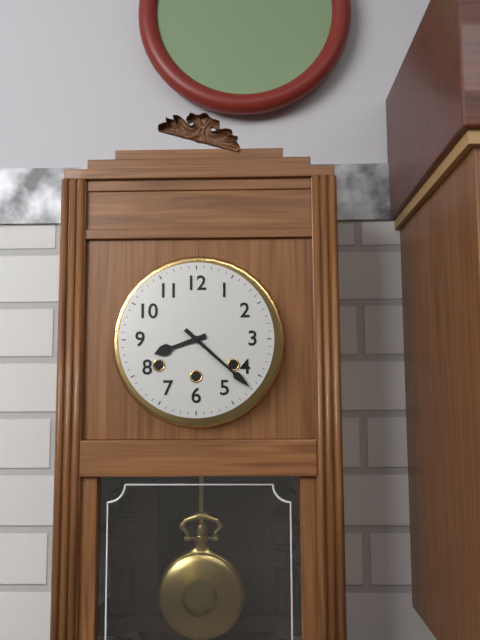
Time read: 8h22
